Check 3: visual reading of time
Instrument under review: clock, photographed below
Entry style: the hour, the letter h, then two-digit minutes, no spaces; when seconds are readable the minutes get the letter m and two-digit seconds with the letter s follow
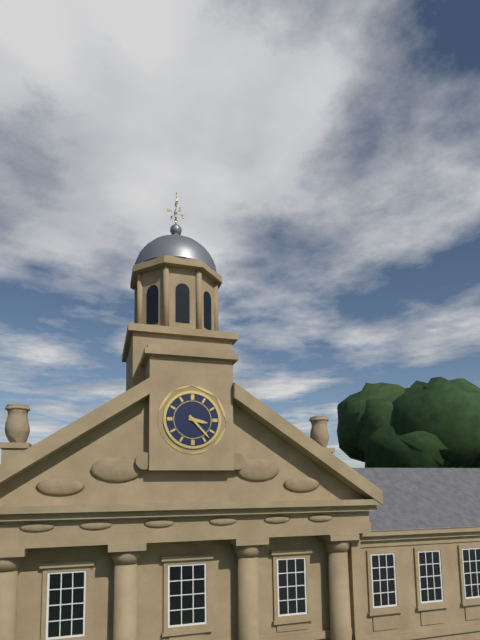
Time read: 3h23
